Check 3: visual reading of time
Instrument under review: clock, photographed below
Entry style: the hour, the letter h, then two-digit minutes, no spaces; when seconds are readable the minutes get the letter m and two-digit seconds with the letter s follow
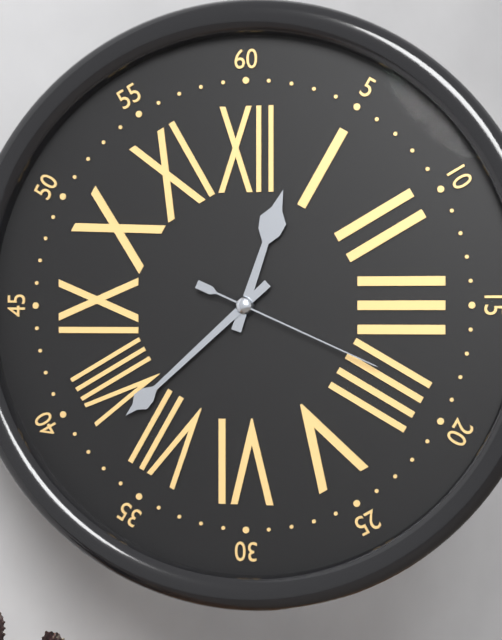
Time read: 12h38m19s
